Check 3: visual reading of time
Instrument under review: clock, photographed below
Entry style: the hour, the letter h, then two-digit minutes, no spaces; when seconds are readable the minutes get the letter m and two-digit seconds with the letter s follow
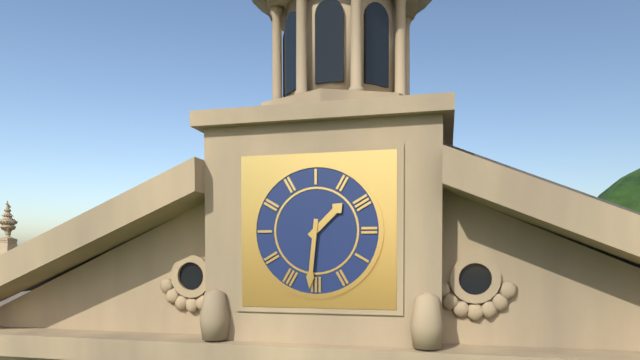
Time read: 1h31
